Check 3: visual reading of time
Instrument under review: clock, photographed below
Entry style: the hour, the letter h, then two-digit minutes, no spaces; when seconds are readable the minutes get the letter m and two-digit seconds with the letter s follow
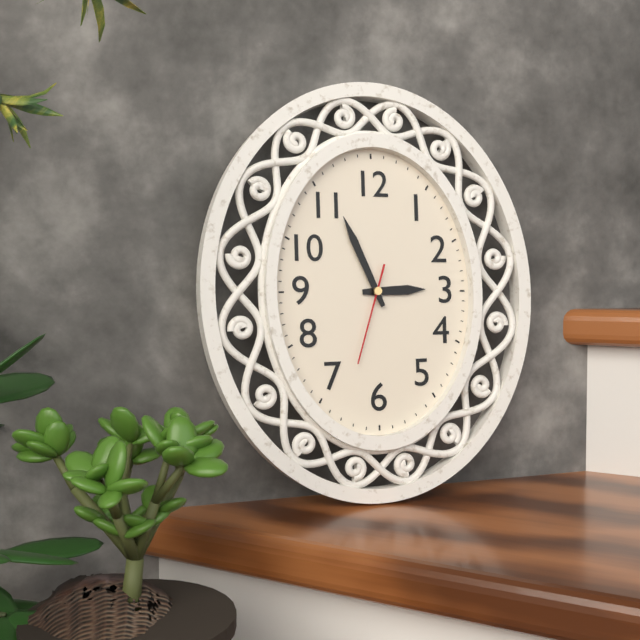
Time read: 2h56m33s
